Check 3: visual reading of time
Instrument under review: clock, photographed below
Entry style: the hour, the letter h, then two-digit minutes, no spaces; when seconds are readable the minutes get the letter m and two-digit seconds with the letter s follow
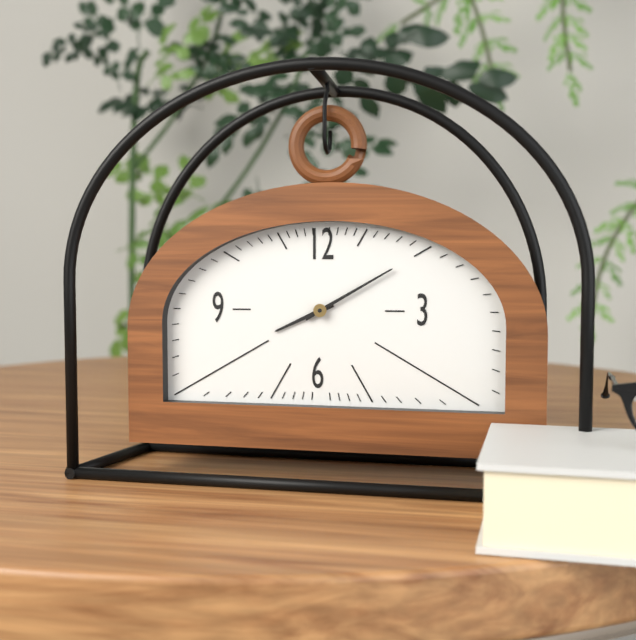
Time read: 8h10
